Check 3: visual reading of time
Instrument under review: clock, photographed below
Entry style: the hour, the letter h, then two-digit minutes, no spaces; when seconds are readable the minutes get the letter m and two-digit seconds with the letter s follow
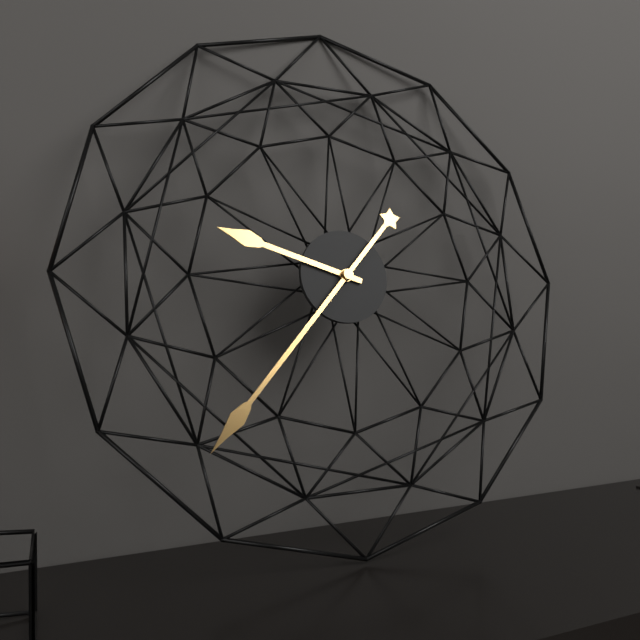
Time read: 9h37
